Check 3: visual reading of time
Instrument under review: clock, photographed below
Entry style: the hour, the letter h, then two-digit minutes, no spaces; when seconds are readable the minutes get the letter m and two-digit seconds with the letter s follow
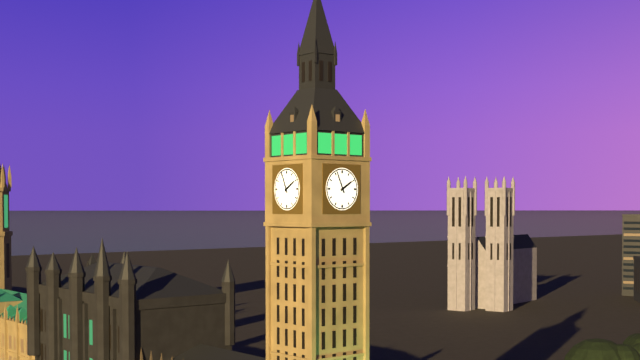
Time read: 1h56
